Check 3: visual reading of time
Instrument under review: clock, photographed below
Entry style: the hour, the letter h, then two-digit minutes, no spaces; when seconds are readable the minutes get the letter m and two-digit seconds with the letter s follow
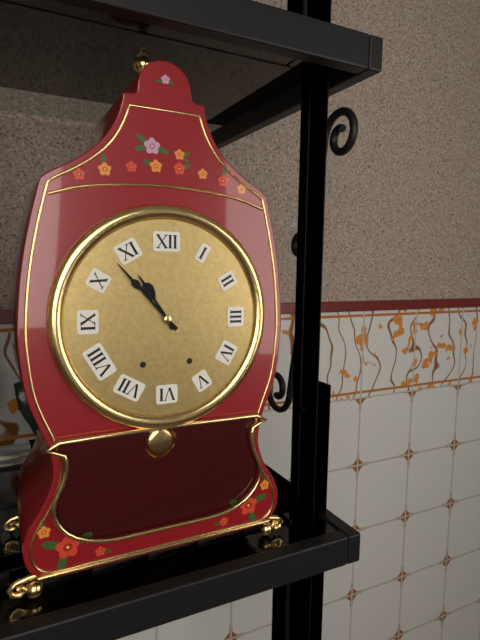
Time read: 10h53
